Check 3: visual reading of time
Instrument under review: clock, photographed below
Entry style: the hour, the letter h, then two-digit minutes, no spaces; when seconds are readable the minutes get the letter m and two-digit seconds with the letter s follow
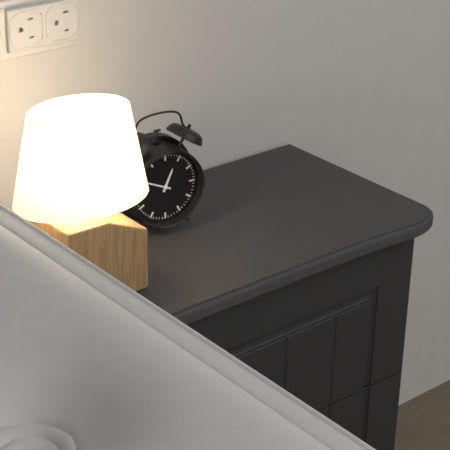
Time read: 12h49
